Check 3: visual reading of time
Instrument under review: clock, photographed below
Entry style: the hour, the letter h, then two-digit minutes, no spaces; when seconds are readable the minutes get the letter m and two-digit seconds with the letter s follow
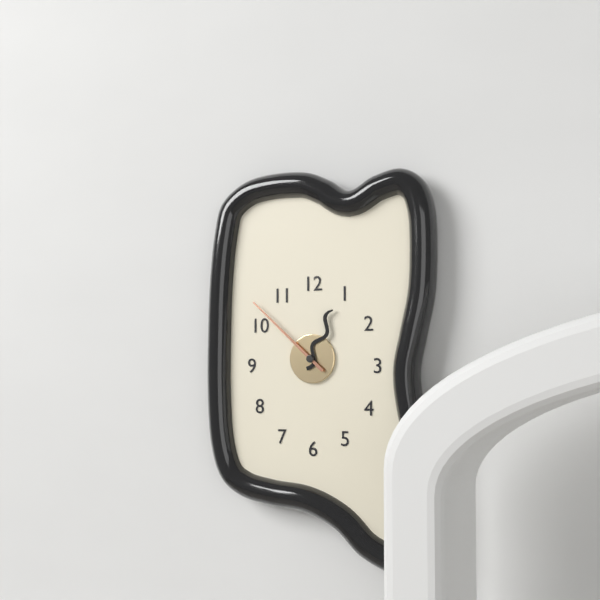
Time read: 12h52
